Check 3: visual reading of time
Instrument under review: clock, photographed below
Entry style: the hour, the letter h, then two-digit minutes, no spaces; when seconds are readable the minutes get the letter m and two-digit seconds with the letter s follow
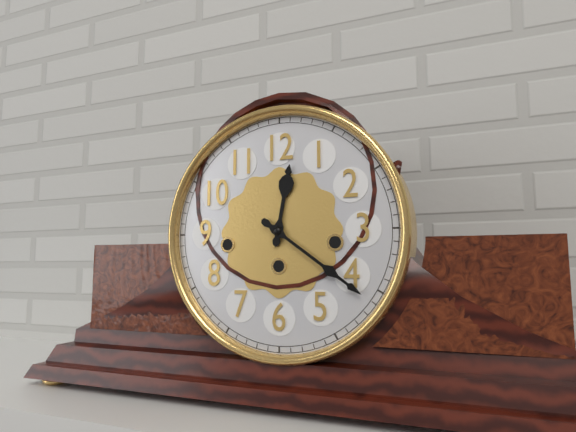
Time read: 12h21
